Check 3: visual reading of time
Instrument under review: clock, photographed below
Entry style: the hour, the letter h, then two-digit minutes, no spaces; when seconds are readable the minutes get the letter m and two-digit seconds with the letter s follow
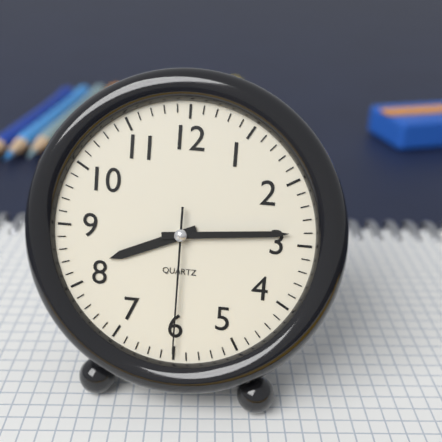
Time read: 8h14m30s
